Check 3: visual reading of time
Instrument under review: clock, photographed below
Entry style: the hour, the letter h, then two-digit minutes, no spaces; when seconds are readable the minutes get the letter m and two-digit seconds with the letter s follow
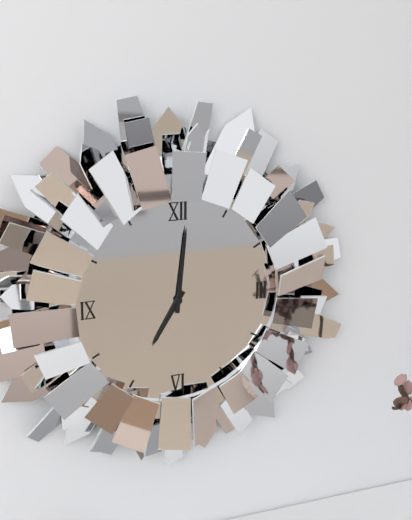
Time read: 7h01
